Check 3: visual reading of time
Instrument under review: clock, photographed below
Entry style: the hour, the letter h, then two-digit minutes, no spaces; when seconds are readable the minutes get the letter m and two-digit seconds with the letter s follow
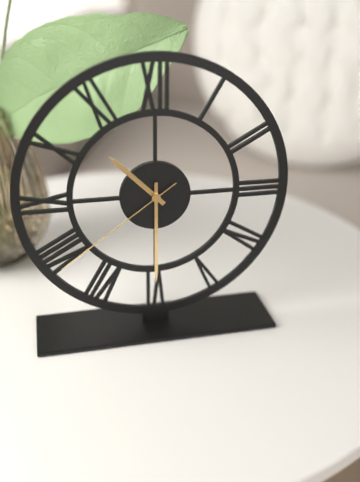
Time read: 10h30m39s
